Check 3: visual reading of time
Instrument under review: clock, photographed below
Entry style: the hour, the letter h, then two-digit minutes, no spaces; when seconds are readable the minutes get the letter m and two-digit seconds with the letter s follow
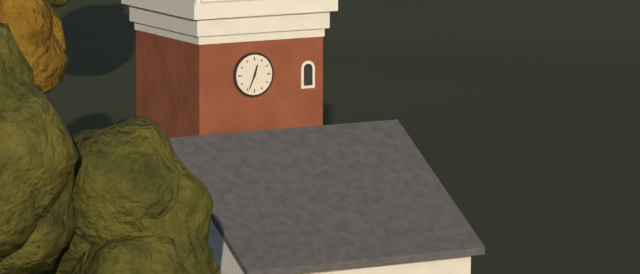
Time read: 12h34
